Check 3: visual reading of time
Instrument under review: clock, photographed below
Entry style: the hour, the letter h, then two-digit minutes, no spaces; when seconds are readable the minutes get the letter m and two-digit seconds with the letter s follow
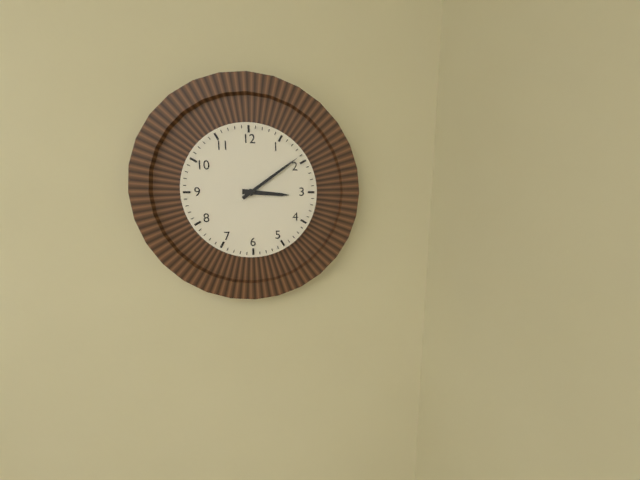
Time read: 3h09
